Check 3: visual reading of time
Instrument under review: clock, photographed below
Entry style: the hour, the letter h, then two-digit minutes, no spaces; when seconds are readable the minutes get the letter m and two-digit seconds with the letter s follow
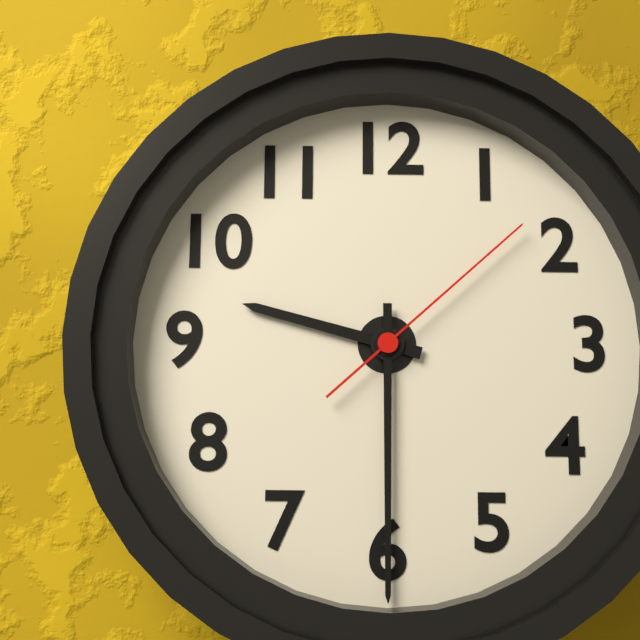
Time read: 9h30m08s
